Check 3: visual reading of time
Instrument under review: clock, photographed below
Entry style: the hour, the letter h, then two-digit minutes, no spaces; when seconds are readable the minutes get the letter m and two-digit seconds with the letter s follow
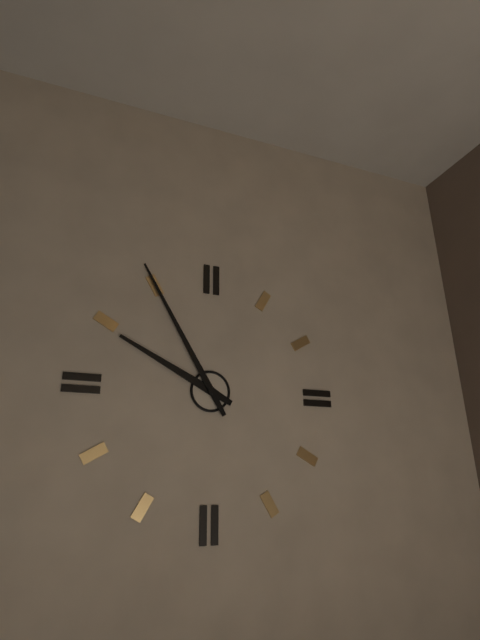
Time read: 9h55
